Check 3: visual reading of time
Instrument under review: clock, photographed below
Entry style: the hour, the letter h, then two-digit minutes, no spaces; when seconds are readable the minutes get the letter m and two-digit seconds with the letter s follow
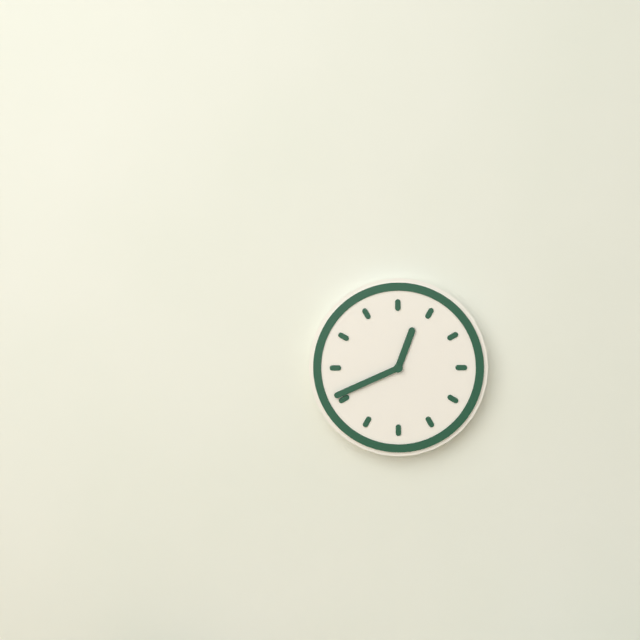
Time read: 12h41
